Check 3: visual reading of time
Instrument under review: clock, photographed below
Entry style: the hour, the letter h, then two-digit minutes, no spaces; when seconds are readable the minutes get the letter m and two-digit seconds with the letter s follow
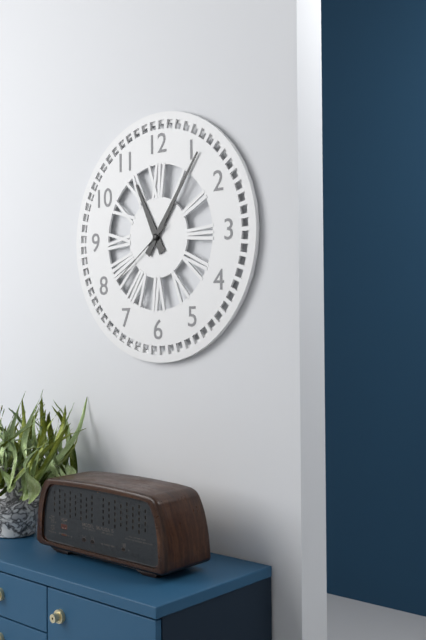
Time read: 11h06m39s
